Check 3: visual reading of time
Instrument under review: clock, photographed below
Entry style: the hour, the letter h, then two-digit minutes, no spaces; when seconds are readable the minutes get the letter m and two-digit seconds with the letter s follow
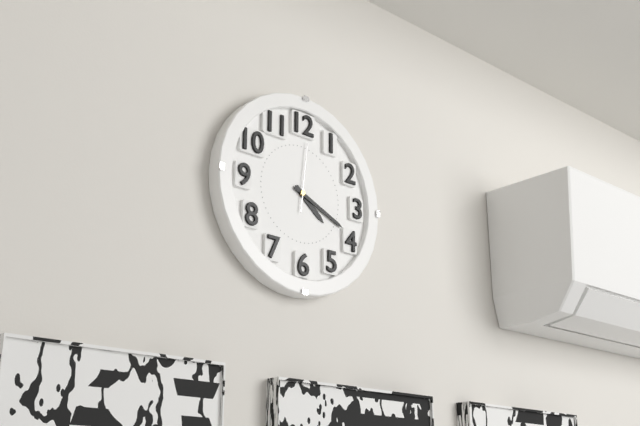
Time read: 4h19m01s
